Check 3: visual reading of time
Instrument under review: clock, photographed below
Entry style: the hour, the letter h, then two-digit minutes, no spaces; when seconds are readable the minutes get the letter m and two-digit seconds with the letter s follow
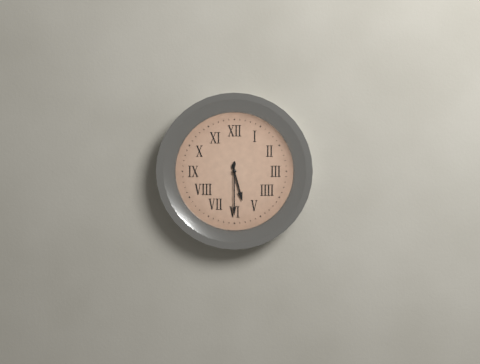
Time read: 5h30
